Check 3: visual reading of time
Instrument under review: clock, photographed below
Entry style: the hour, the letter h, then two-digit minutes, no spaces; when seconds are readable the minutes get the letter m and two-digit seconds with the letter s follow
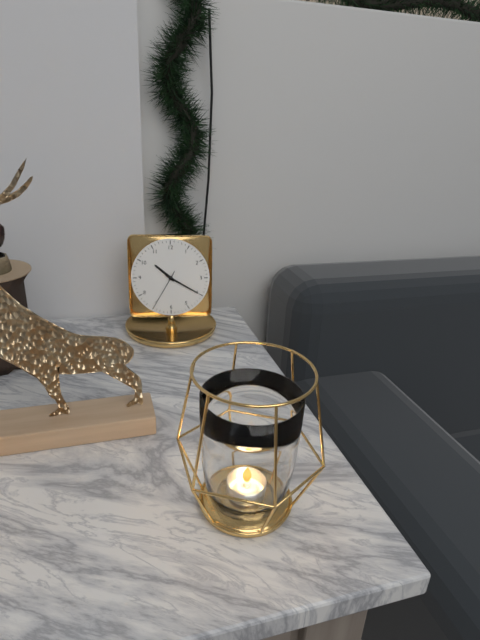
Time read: 10h20
